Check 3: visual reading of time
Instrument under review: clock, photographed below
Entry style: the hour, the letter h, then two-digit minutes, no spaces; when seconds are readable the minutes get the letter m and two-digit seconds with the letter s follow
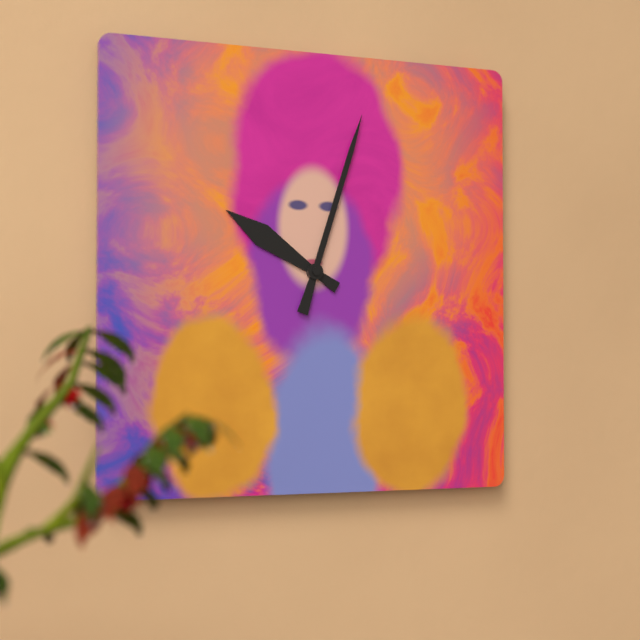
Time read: 10h03
